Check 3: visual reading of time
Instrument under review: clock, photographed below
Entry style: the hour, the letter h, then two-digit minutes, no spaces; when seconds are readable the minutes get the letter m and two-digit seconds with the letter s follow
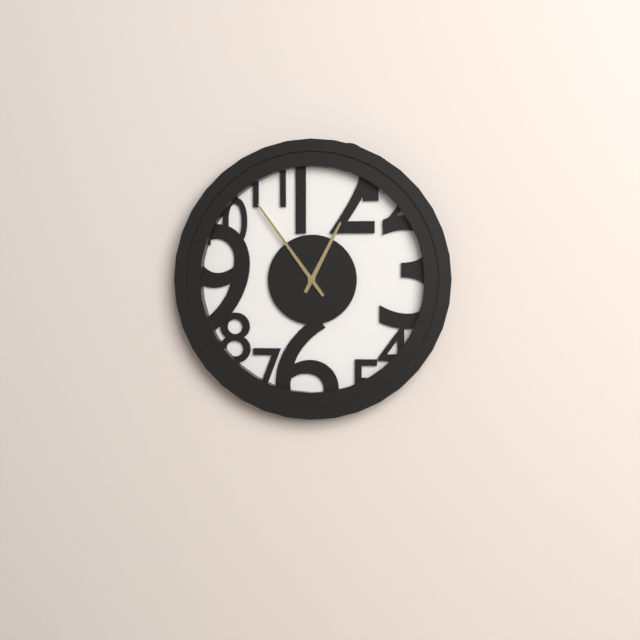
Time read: 12h54
